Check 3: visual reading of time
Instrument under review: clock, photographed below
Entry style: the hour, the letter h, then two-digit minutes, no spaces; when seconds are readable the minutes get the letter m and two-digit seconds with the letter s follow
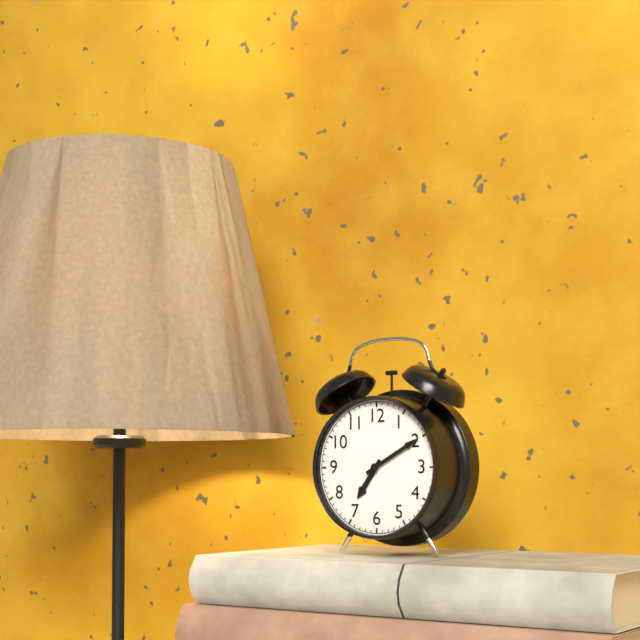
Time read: 7h10
